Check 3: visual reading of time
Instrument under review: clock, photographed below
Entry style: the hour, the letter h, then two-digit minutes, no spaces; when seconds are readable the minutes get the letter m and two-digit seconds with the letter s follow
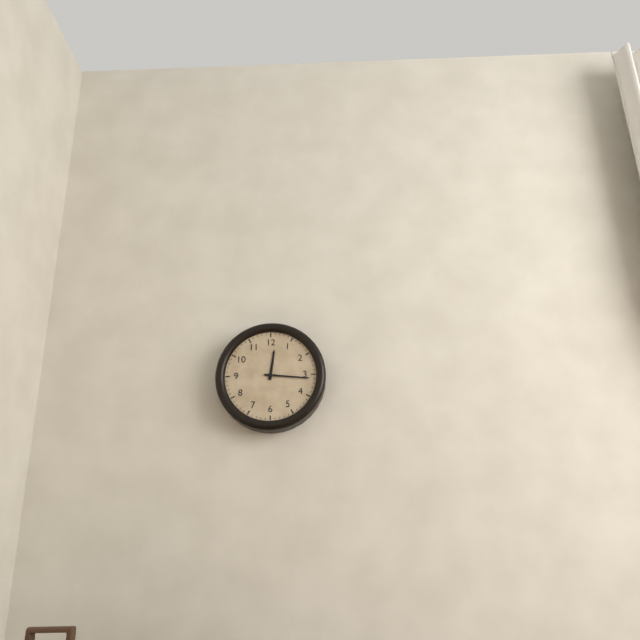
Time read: 12h16
